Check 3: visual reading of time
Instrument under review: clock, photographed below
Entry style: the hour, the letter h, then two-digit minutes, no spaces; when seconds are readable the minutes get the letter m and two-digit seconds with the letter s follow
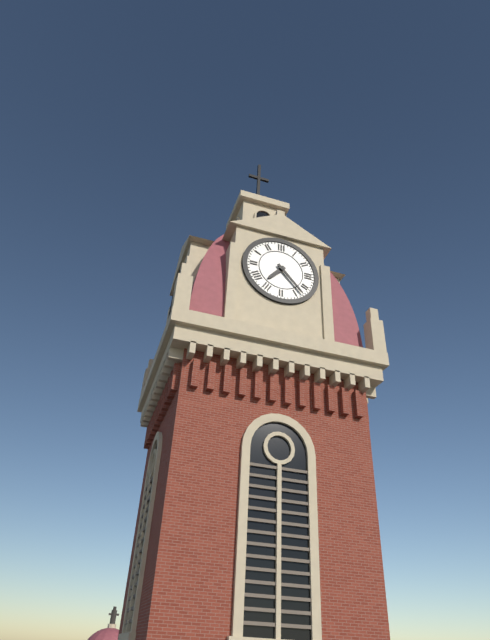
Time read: 7h23
